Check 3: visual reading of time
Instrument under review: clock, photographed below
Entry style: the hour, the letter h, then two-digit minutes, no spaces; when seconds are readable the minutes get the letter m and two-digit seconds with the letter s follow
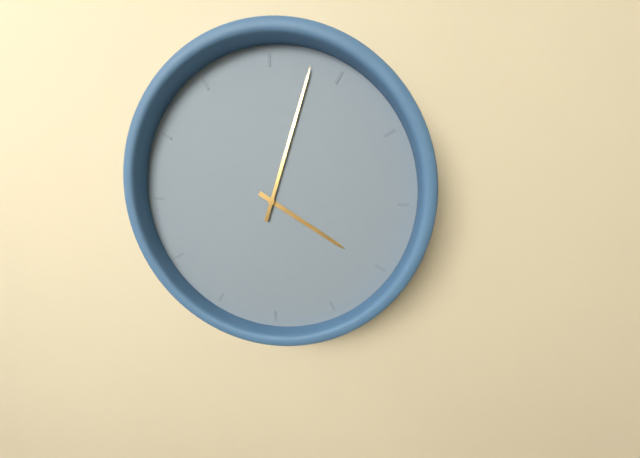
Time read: 4h03
